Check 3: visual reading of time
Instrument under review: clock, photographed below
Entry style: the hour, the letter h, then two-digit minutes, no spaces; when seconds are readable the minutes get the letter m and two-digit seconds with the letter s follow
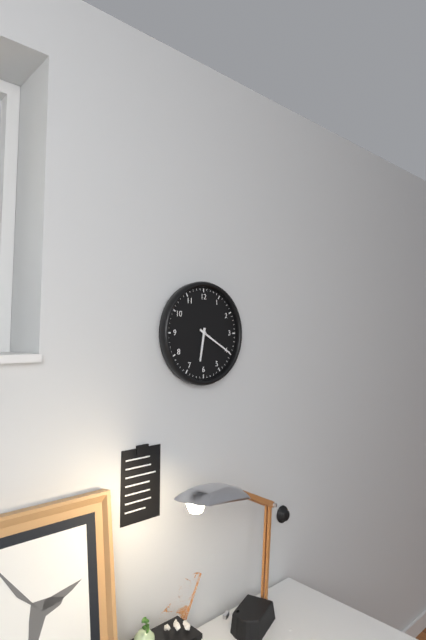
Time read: 6h20
